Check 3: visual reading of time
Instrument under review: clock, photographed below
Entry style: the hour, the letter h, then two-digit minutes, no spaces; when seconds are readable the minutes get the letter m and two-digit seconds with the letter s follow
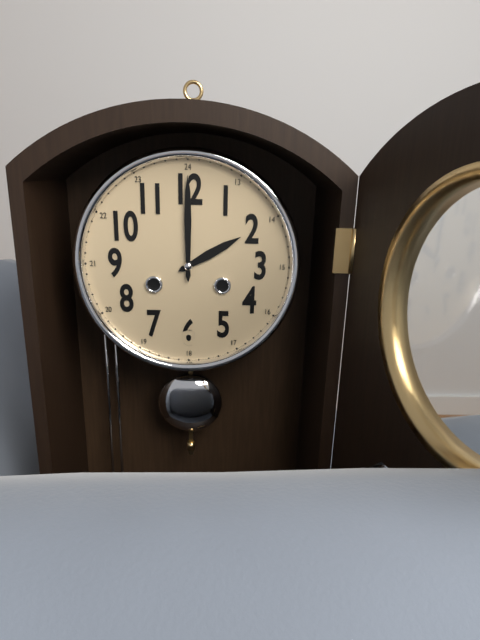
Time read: 2h00
